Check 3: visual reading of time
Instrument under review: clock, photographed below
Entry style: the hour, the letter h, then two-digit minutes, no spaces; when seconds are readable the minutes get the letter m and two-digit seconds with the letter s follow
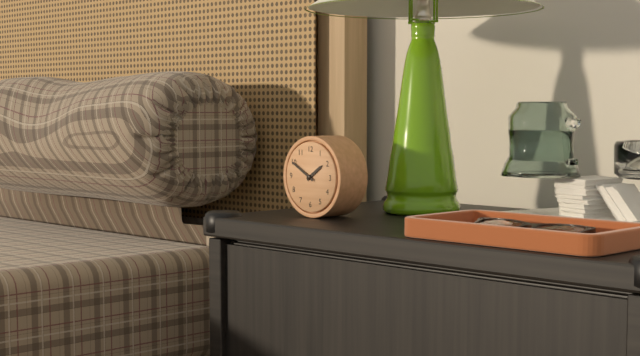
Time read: 1h50
